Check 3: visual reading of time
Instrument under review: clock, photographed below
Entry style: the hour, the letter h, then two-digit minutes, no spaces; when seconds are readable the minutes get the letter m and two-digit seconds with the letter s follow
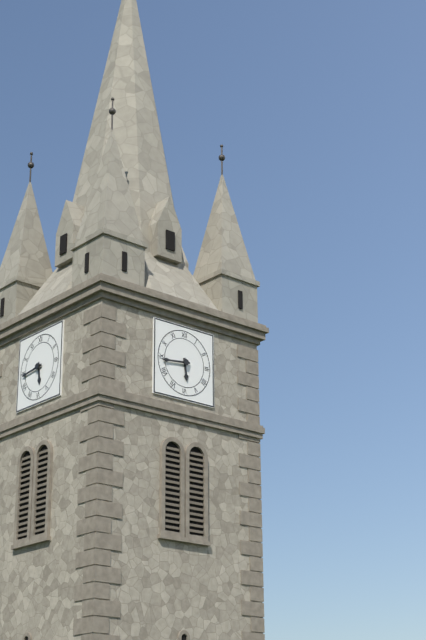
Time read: 5h44
